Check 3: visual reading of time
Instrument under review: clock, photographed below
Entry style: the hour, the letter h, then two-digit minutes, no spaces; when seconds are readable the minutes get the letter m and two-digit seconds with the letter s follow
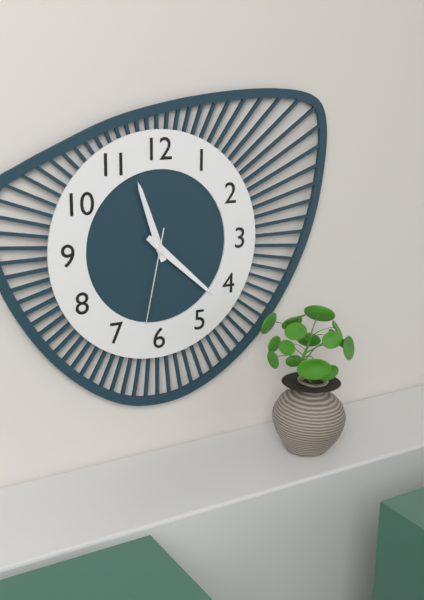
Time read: 11h22m32s
